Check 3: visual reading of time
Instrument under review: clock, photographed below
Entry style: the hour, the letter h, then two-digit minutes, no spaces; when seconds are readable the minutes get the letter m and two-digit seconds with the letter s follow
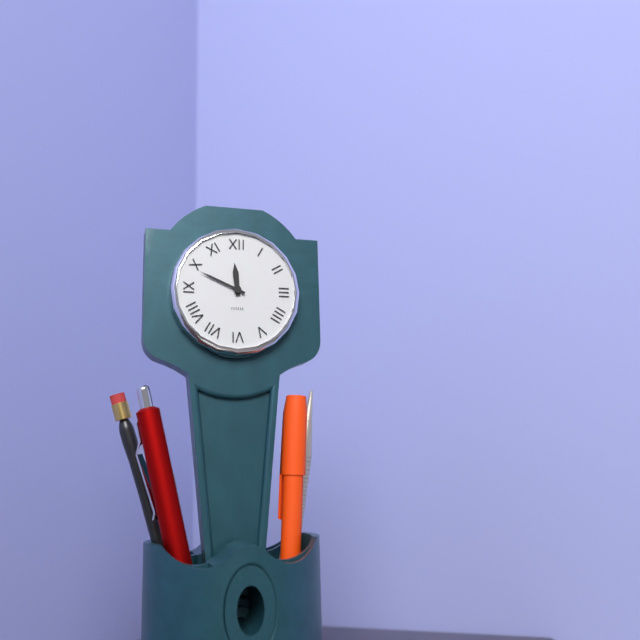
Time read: 11h49
